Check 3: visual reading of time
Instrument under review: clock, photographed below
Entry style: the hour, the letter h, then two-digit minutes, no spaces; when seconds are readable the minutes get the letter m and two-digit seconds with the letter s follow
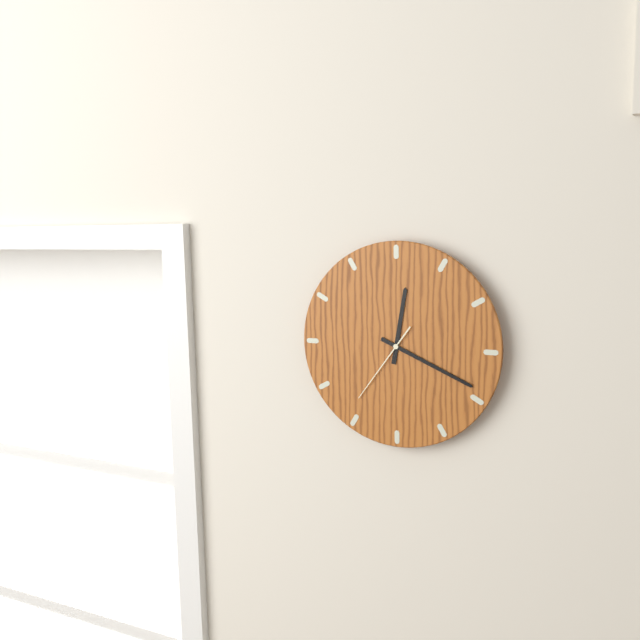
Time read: 12h19m36s
